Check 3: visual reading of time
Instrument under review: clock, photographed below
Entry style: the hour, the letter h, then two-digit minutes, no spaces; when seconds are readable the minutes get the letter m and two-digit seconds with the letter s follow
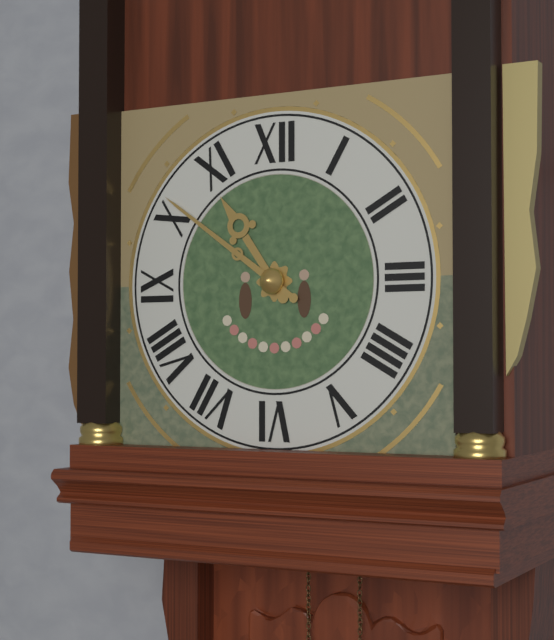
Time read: 10h51
